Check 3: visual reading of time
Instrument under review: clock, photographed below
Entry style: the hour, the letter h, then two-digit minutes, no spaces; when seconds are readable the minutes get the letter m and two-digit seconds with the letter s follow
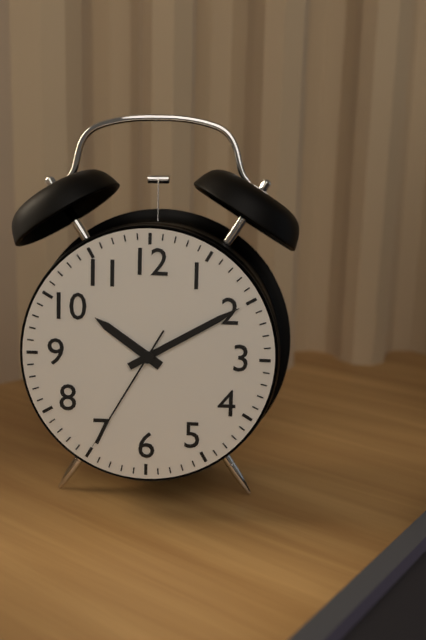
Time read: 10h10m35s
